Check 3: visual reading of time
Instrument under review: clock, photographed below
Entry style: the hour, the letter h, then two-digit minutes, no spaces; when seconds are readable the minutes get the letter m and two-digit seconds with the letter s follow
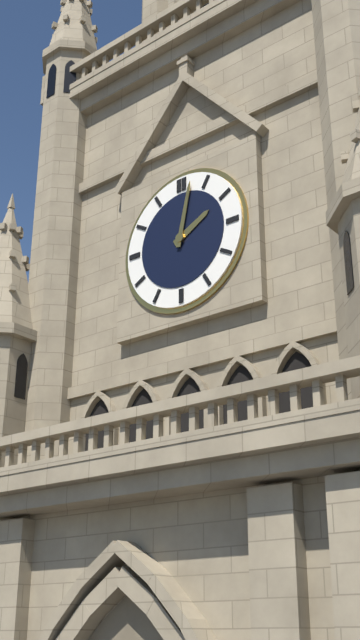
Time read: 2h02
